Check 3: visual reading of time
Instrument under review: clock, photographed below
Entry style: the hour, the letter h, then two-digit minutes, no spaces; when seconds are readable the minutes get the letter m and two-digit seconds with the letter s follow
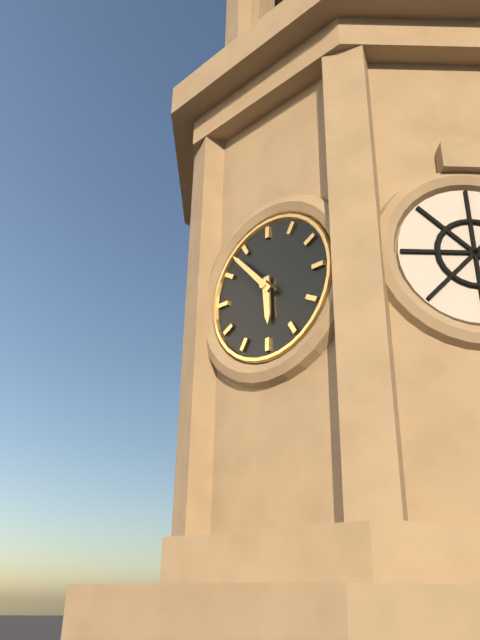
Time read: 5h53
